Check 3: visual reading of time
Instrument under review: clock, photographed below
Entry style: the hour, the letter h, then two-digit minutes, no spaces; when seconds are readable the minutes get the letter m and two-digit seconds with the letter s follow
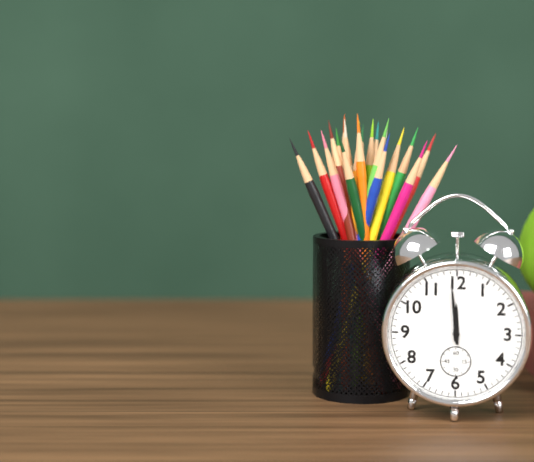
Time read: 11h59
